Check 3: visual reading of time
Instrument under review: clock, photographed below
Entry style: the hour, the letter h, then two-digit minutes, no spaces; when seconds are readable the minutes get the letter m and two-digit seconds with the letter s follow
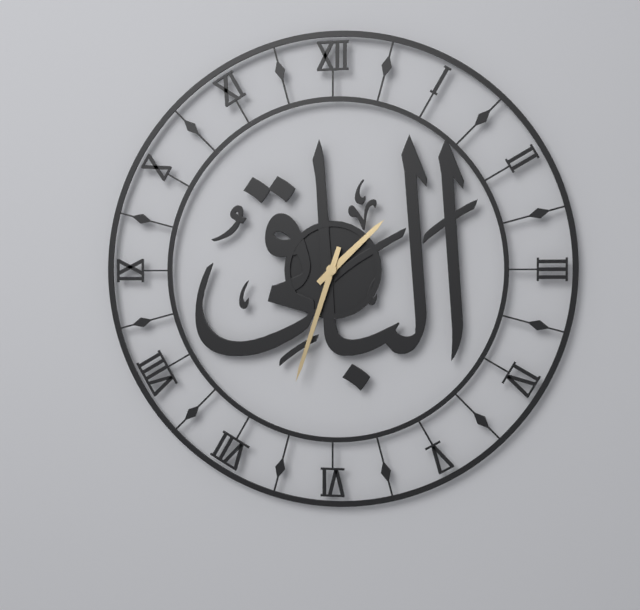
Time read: 1h33
